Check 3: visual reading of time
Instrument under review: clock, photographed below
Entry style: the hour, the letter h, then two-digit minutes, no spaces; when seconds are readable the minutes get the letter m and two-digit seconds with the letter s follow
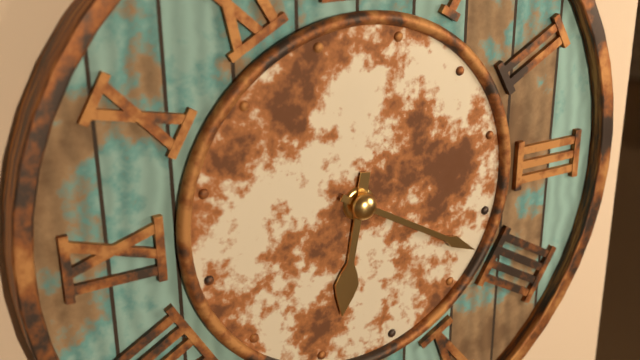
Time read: 6h20
